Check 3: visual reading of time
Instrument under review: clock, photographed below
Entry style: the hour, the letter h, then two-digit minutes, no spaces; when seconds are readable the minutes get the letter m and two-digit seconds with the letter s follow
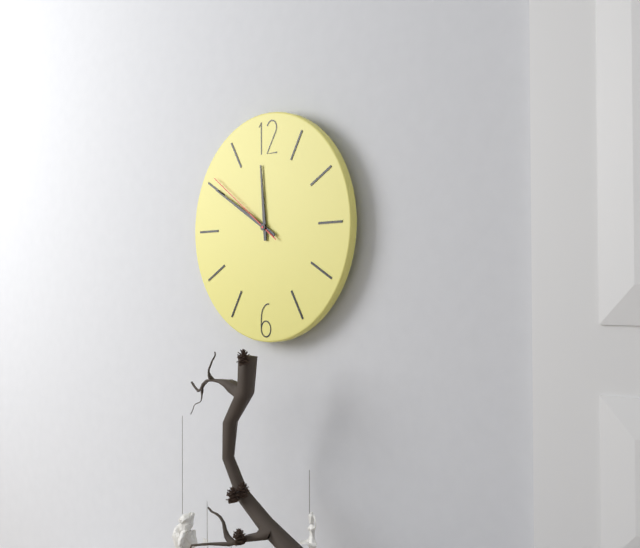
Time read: 11h50m51s
